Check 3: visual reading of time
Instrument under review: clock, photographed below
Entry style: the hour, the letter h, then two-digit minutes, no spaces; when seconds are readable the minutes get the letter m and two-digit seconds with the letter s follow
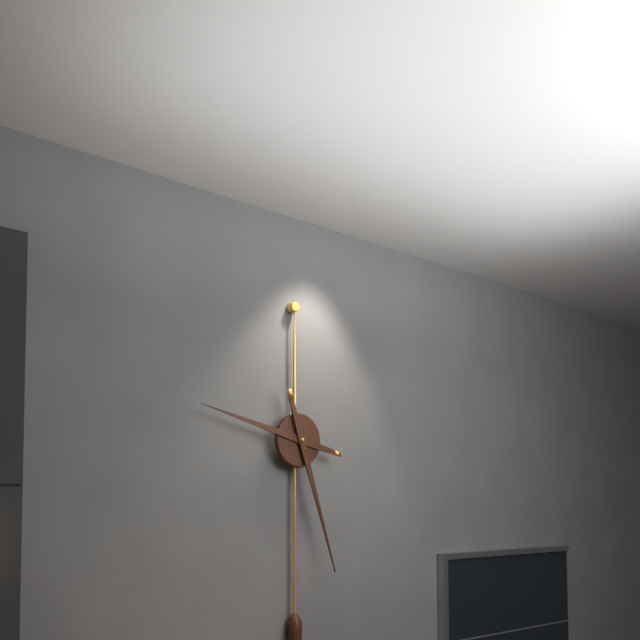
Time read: 9h27
